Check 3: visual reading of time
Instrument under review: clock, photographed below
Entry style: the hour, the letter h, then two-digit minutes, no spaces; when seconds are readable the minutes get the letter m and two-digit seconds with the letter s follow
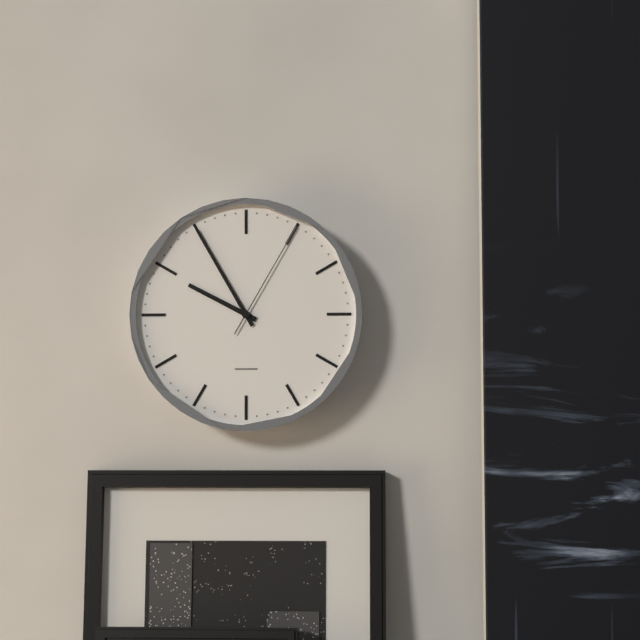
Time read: 9h55m05s
